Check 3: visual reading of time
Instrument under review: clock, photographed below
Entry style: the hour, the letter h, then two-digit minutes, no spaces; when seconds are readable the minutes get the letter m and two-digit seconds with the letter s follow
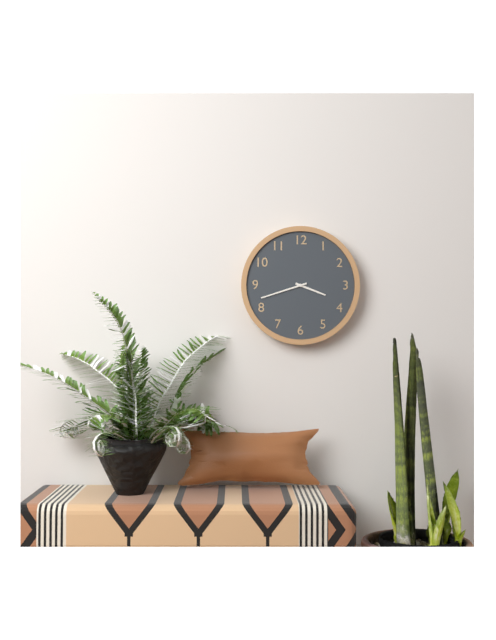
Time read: 3h42
